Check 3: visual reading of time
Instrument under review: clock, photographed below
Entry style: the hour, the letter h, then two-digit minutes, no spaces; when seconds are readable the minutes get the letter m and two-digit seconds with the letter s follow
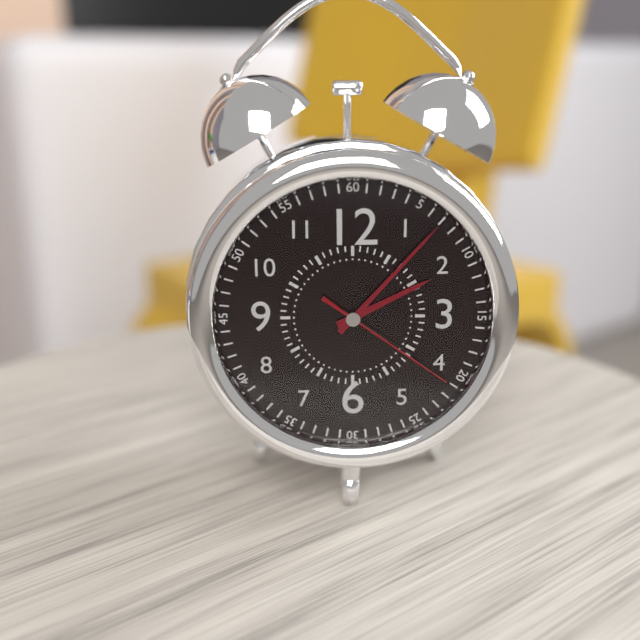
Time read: 2h07m21s
